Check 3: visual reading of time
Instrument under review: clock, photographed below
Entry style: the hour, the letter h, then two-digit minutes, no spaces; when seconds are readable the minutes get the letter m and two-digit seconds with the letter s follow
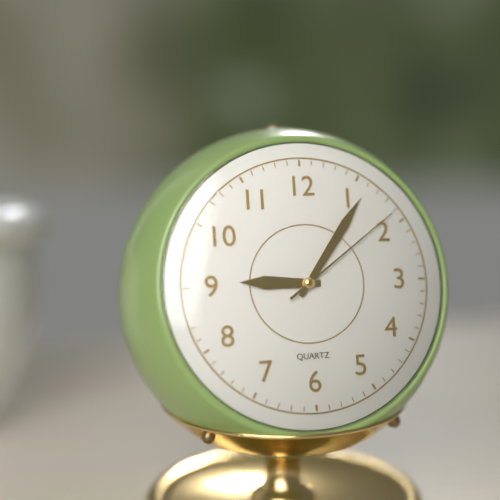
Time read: 9h06m09s
